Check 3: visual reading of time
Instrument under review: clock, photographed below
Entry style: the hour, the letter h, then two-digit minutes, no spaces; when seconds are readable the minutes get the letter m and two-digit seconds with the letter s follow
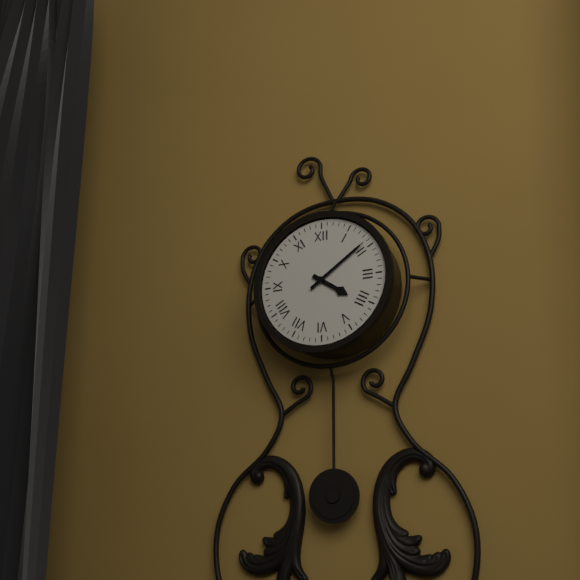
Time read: 4h09
